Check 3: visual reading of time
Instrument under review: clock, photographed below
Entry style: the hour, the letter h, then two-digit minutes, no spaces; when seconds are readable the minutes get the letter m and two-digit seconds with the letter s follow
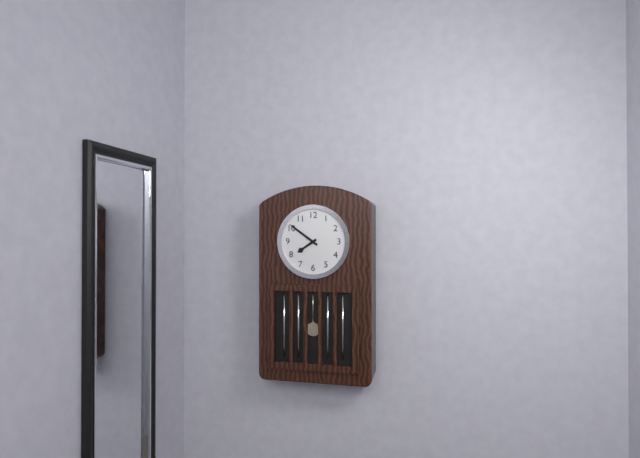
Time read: 7h51
